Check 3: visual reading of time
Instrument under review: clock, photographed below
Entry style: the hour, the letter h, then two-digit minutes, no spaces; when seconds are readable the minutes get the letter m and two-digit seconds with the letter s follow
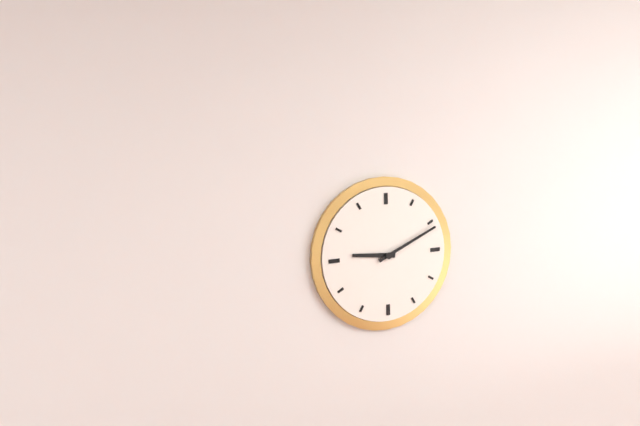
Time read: 9h11
